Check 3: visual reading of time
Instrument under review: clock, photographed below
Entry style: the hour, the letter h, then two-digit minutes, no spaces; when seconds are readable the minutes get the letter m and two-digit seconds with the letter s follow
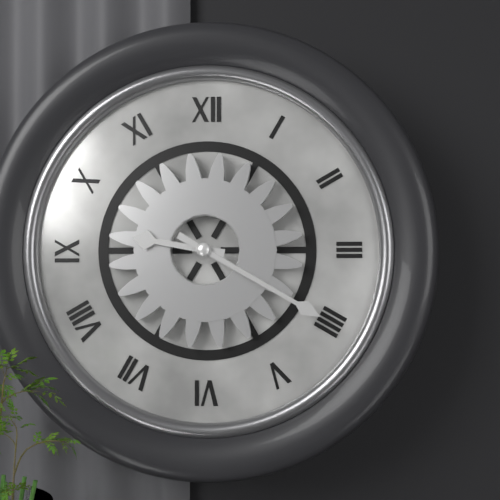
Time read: 9h20
